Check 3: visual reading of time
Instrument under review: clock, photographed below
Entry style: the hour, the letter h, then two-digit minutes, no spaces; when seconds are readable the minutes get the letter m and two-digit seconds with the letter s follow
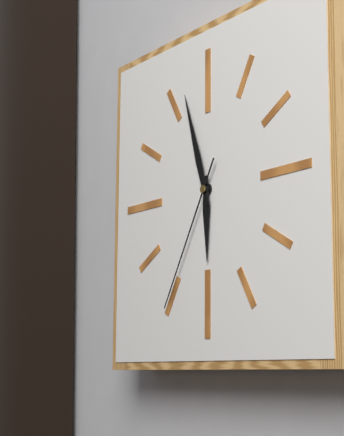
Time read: 5h57m35s
